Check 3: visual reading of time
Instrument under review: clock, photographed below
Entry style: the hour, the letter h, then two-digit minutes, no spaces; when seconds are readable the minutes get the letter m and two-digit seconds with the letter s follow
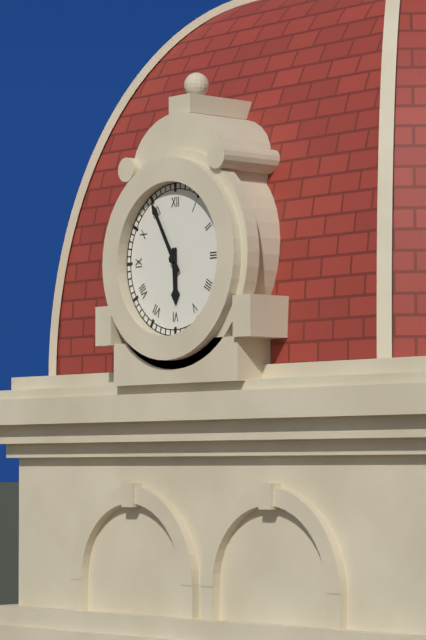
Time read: 5h55
